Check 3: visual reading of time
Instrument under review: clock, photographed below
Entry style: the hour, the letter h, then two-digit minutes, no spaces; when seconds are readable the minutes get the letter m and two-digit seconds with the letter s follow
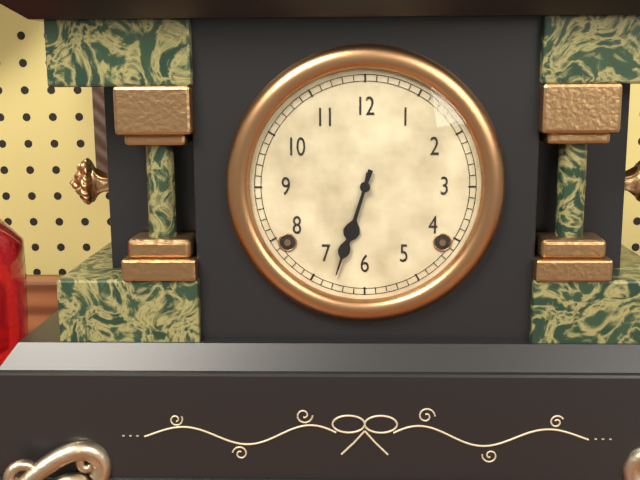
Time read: 6h33
